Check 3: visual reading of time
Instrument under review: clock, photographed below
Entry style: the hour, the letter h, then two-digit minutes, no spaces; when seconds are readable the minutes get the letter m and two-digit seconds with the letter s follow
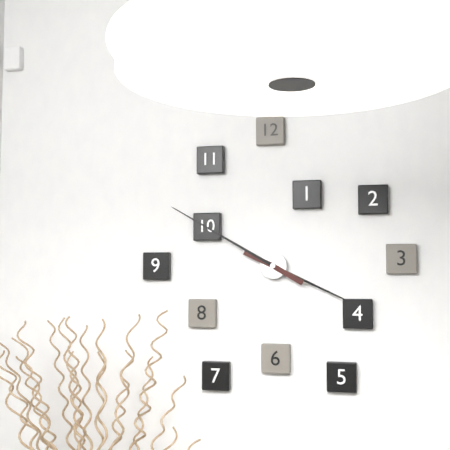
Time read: 3h50
